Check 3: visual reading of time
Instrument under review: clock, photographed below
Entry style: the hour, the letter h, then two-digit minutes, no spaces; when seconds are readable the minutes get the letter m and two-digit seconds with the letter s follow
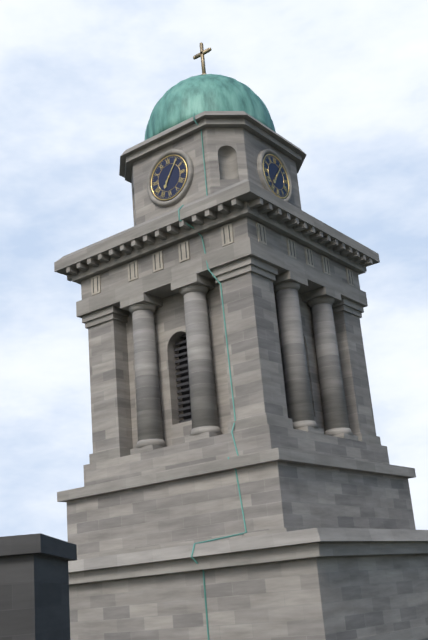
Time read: 7h06
